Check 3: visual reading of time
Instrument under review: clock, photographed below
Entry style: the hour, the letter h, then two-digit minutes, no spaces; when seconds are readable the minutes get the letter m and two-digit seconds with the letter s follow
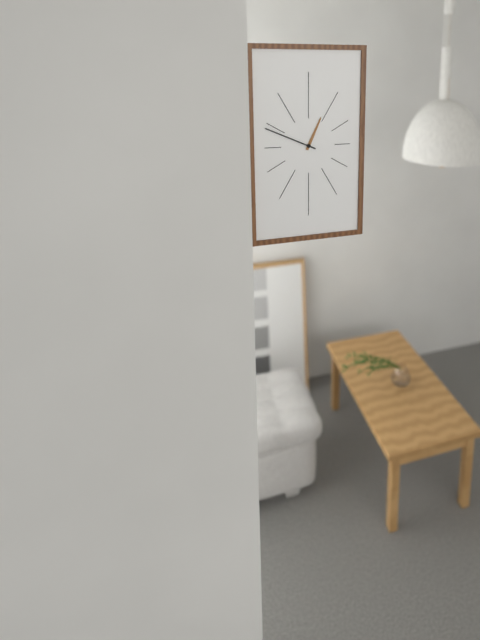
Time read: 12h49
